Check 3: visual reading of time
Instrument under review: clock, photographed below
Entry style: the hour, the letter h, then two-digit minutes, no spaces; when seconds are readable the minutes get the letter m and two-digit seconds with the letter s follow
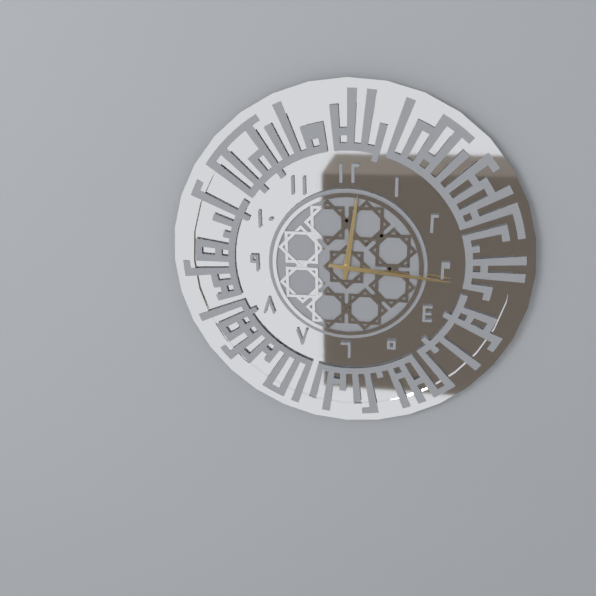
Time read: 12h16
